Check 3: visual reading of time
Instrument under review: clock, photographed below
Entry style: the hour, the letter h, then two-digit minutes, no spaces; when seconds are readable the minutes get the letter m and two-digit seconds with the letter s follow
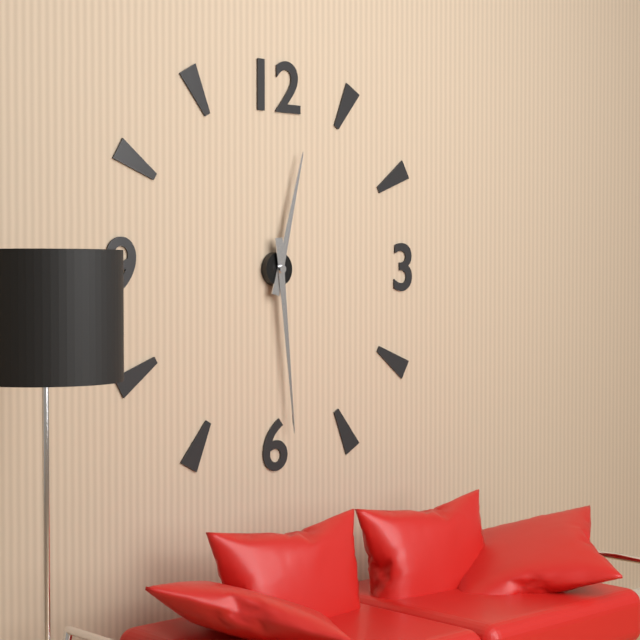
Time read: 12h29
